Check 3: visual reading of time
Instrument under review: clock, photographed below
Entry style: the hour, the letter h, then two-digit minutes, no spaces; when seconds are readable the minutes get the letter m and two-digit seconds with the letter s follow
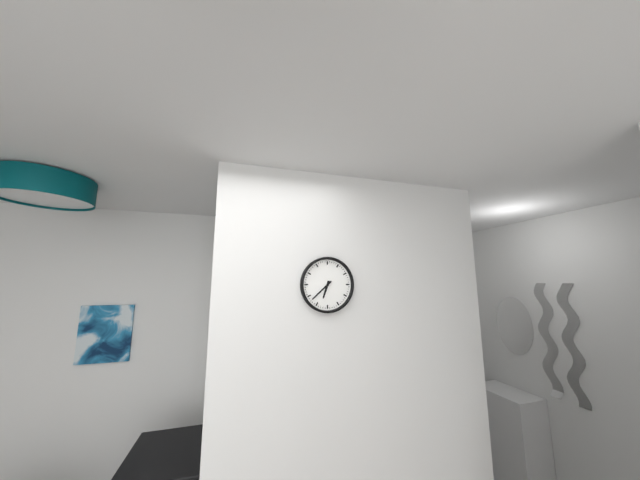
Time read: 6h38
